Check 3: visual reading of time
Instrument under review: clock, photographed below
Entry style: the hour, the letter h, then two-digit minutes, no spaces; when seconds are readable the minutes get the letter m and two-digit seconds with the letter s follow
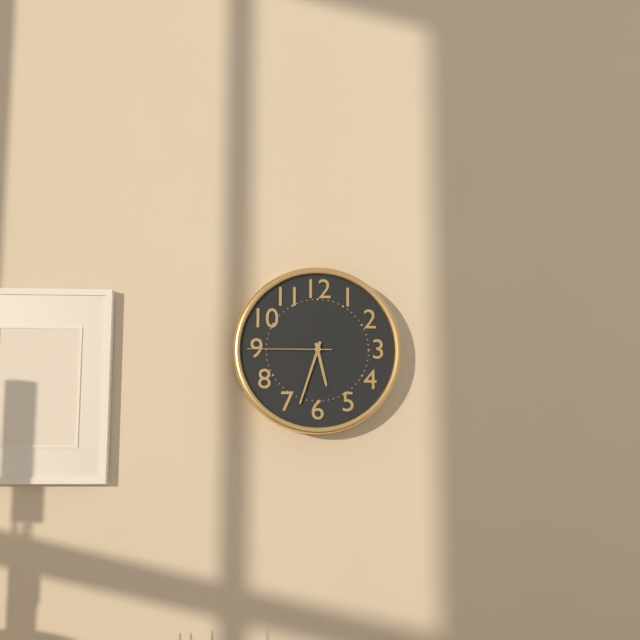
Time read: 5h33m45s
